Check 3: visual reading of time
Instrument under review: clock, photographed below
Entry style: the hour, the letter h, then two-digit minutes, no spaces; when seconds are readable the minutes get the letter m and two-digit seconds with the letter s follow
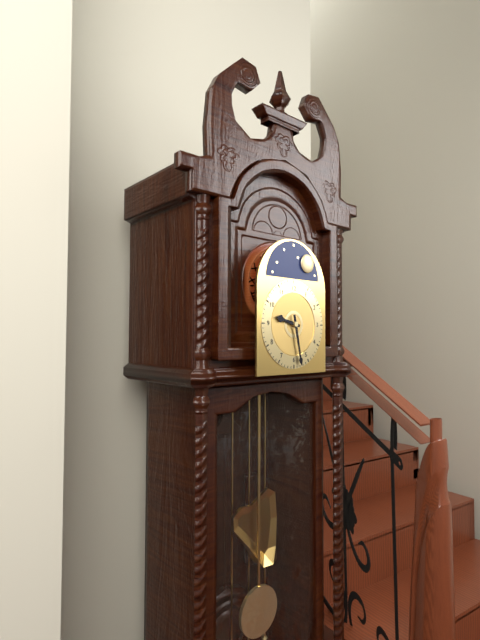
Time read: 9h28
